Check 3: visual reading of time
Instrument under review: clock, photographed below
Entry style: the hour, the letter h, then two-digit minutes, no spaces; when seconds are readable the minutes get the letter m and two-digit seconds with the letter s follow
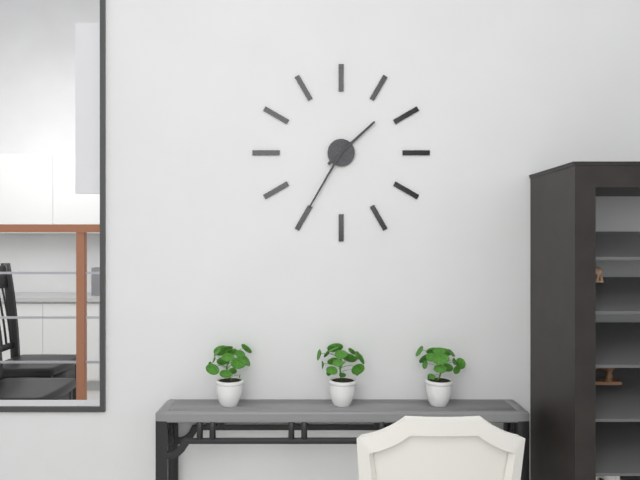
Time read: 1h35
